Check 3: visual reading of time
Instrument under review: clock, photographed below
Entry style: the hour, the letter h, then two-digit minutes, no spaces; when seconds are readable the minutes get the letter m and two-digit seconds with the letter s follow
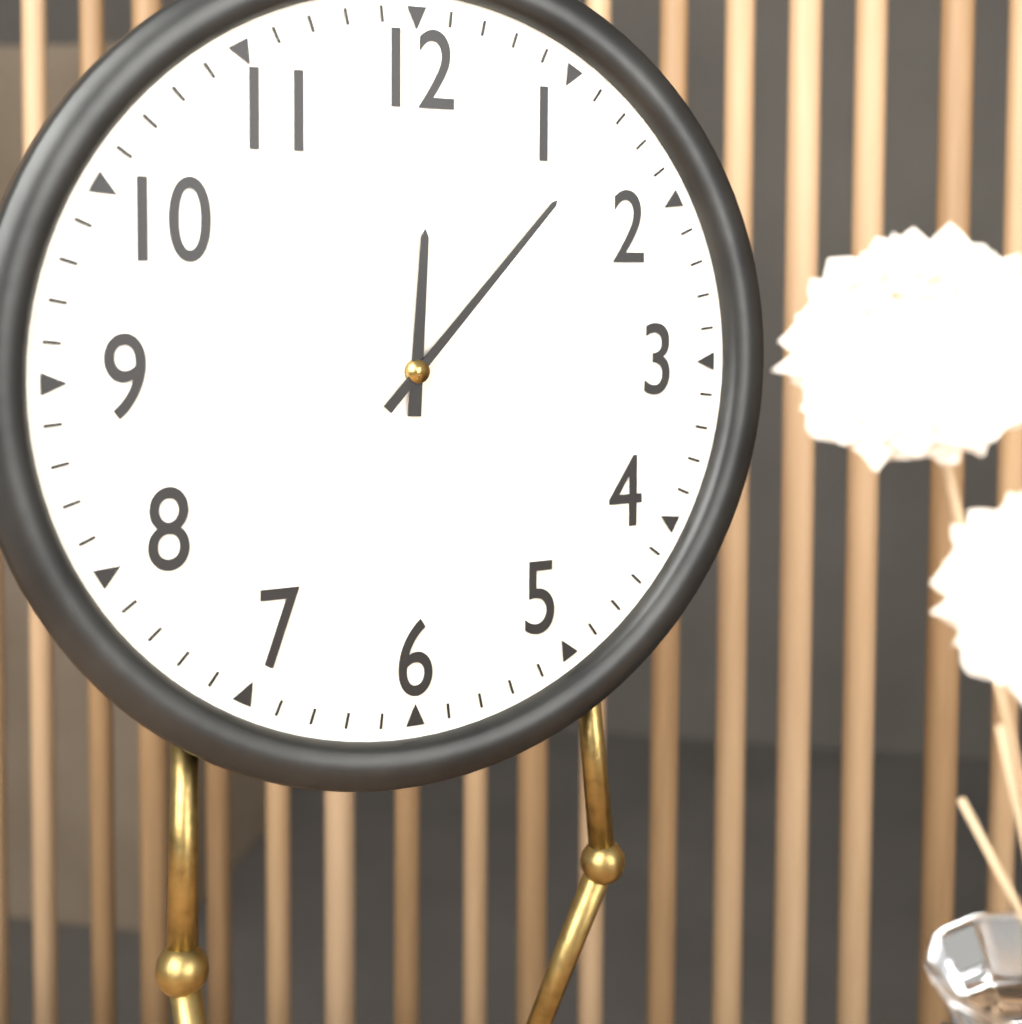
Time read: 12h07
